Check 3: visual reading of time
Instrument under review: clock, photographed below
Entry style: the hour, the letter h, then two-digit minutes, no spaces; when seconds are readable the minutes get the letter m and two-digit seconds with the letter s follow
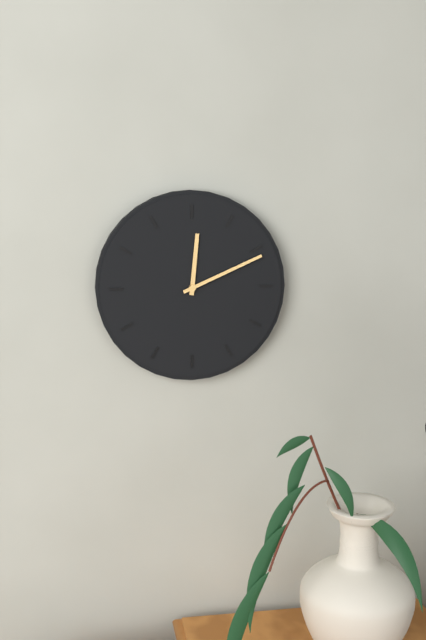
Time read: 12h11
